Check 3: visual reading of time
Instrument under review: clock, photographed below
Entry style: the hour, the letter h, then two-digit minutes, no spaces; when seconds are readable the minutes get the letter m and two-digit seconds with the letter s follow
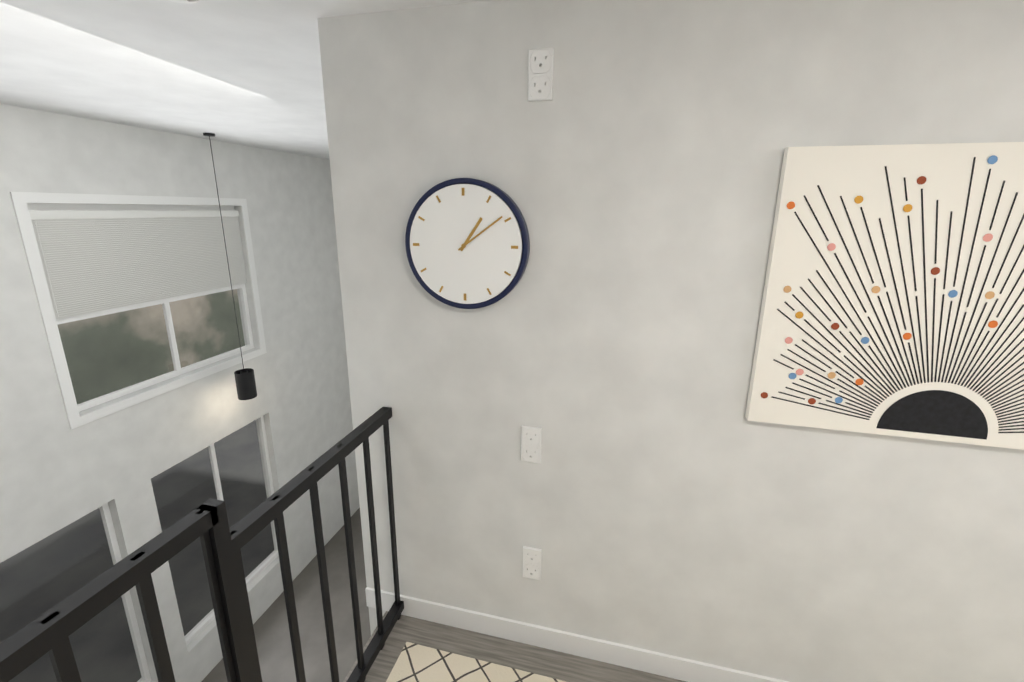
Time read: 1h09
